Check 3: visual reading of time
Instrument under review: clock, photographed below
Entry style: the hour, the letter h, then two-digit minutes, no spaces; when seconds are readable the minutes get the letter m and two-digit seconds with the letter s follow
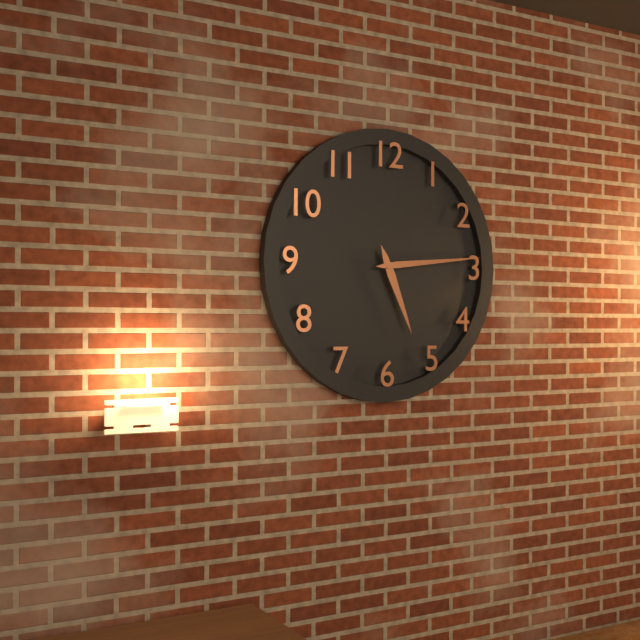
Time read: 5h14
